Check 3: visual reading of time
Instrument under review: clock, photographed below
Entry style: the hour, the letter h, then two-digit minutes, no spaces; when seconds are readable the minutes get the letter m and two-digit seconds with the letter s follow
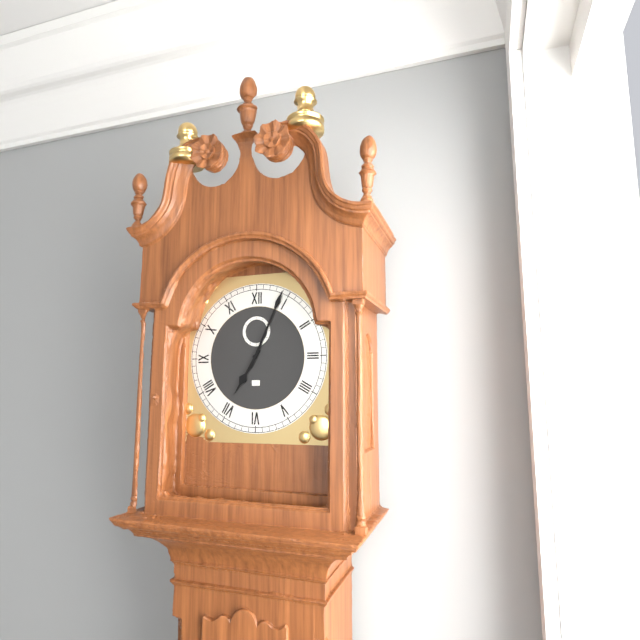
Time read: 7h04
